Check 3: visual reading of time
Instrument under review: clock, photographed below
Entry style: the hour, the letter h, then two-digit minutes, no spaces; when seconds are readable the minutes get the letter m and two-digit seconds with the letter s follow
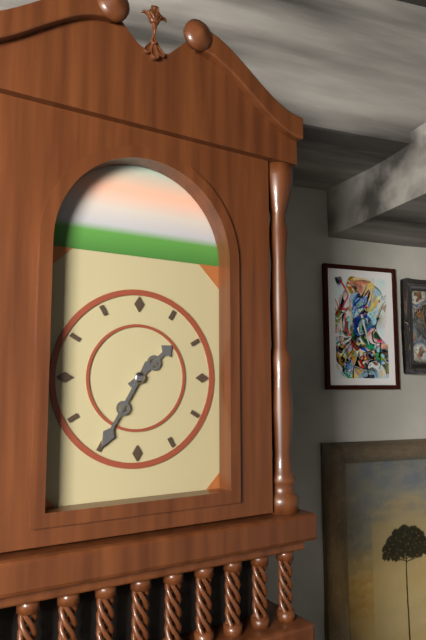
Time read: 1h35
